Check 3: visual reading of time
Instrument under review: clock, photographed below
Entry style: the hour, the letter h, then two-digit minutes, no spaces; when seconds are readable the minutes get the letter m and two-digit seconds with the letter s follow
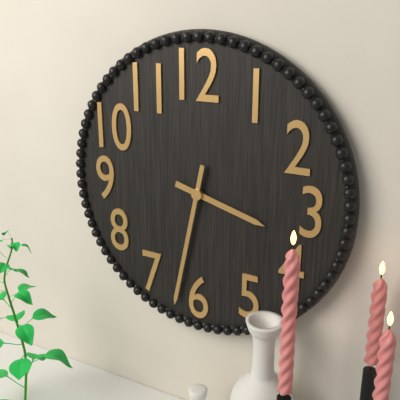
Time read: 3h32
